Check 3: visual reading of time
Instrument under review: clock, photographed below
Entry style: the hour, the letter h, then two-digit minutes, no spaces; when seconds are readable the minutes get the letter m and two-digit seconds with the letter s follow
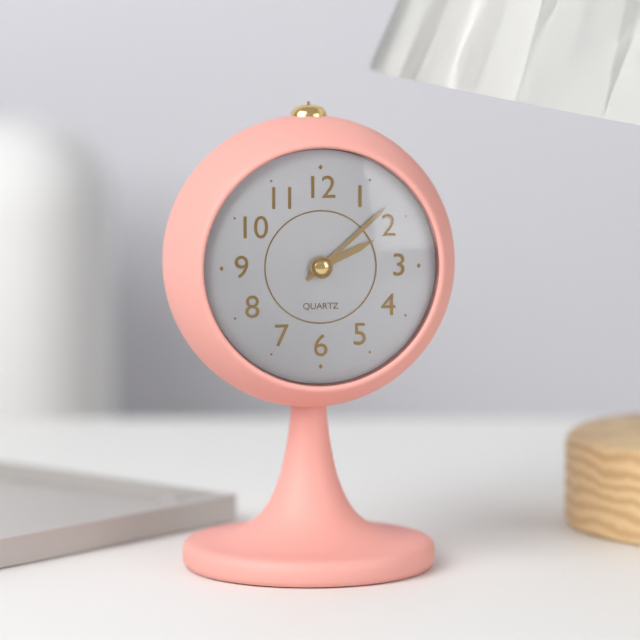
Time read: 2h08
